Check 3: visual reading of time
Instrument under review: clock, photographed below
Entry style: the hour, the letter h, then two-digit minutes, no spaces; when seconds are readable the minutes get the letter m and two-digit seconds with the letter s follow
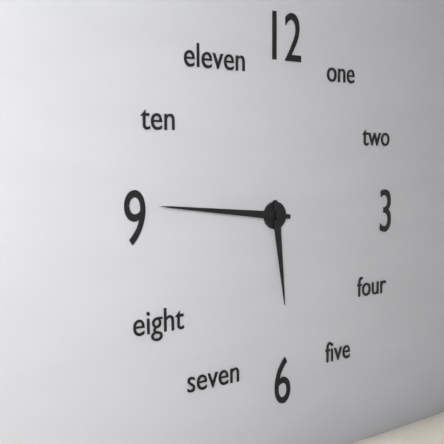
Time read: 5h46
